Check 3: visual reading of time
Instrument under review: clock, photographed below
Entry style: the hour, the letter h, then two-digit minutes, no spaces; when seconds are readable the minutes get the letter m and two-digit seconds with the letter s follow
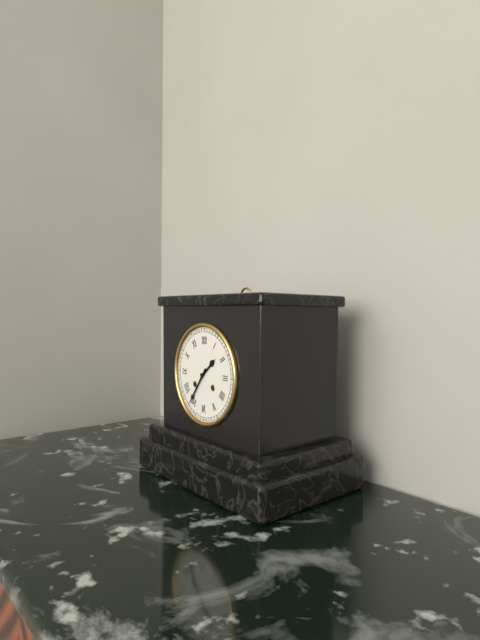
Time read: 1h36
